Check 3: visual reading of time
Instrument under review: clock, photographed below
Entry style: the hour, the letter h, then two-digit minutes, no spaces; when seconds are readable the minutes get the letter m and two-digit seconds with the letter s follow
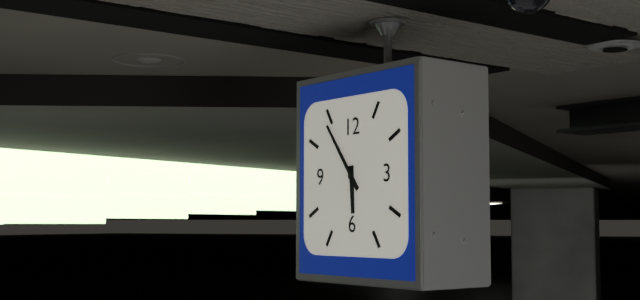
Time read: 5h54
